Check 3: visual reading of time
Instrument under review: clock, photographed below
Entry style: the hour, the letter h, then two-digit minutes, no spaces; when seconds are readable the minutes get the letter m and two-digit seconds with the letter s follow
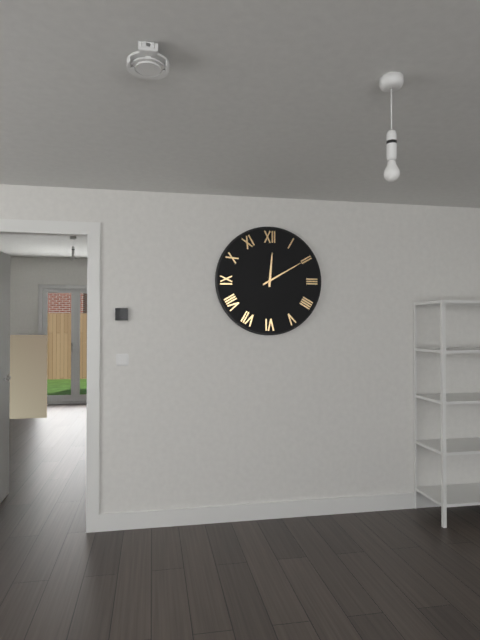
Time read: 12h10
